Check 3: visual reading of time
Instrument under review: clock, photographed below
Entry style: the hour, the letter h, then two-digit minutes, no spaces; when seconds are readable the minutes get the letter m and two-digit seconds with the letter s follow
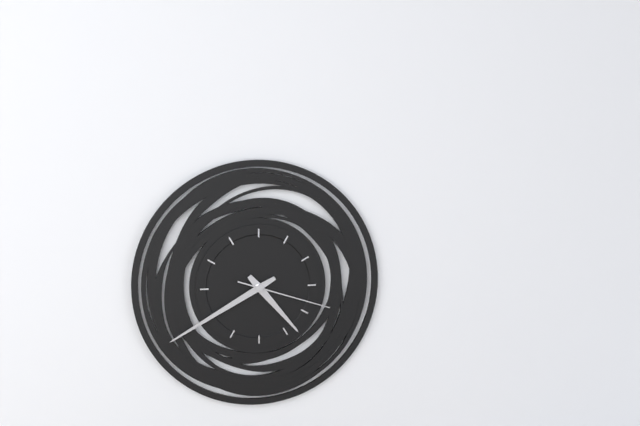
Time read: 4h40m18s
